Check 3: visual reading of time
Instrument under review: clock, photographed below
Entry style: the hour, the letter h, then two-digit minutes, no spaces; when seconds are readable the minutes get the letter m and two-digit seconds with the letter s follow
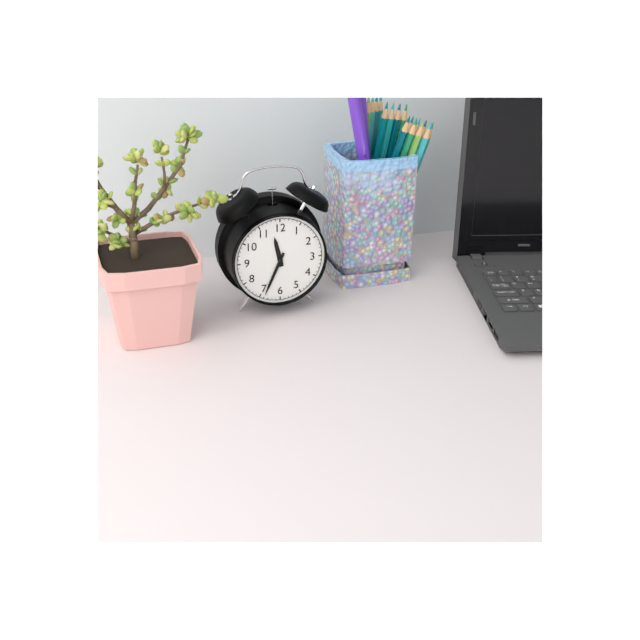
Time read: 11h34
